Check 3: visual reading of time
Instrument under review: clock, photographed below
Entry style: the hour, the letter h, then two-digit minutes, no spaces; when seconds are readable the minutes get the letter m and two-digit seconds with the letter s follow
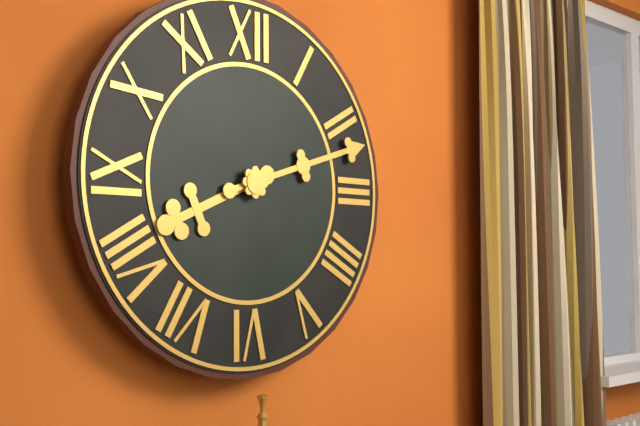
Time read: 8h12
